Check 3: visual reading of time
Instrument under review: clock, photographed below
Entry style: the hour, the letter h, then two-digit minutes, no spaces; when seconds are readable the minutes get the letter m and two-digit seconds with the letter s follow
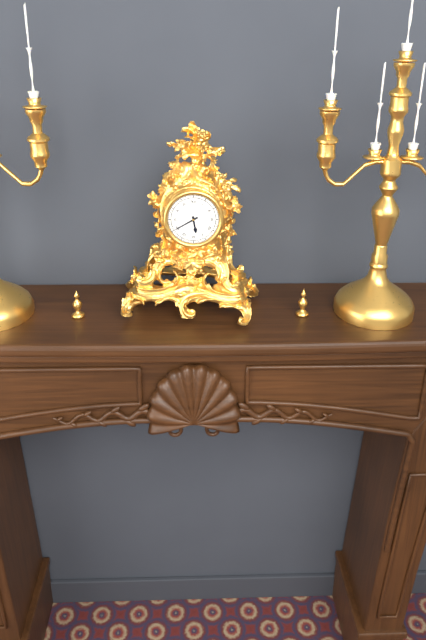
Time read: 5h40
